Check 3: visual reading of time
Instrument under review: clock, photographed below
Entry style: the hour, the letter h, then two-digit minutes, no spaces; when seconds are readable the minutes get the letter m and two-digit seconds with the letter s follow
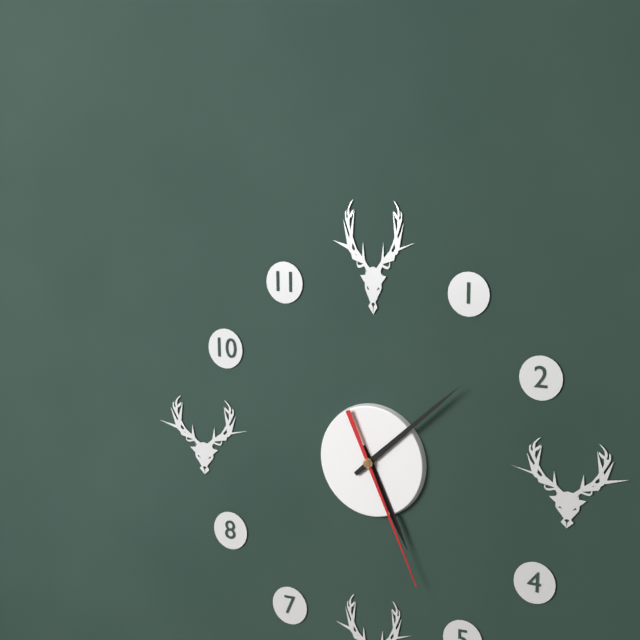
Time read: 5h08m26s
